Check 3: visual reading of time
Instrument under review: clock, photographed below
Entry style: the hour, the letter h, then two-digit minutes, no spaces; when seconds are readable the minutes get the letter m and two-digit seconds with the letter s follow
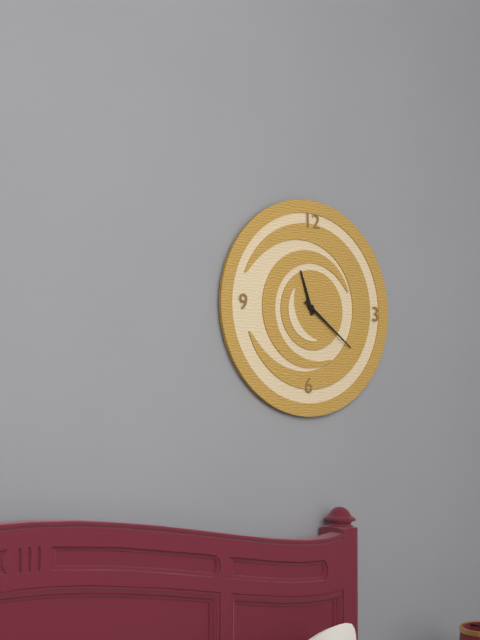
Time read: 11h21
